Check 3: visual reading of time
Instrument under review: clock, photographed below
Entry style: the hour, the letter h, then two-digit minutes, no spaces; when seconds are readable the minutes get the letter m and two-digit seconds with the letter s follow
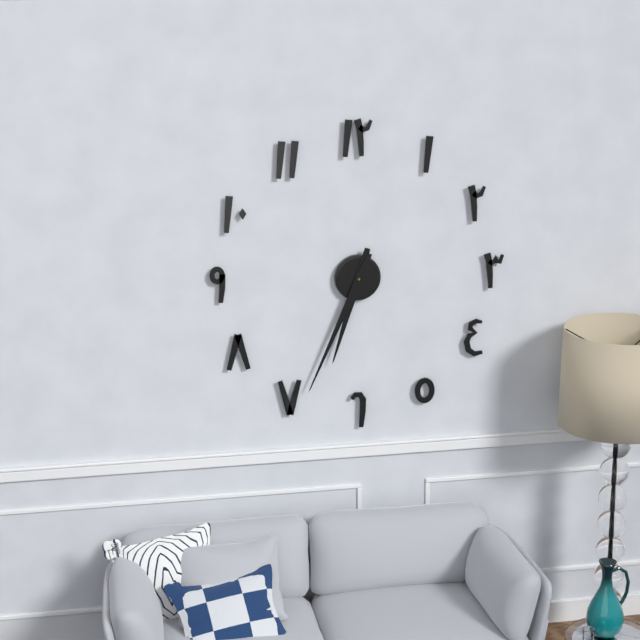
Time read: 6h34
